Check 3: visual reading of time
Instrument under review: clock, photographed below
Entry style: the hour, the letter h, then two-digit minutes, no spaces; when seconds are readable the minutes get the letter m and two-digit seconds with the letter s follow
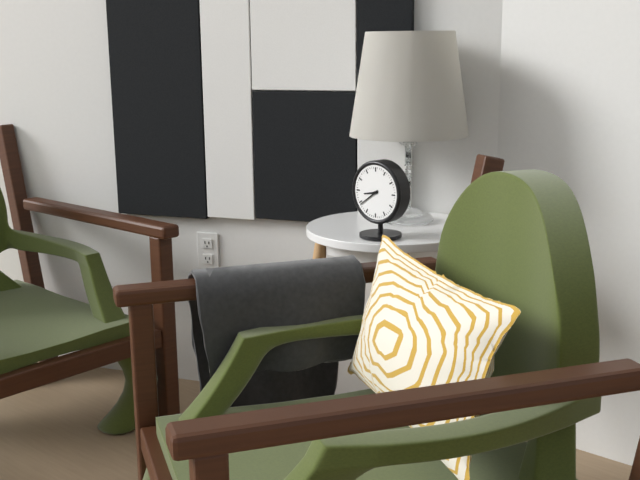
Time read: 8h39
